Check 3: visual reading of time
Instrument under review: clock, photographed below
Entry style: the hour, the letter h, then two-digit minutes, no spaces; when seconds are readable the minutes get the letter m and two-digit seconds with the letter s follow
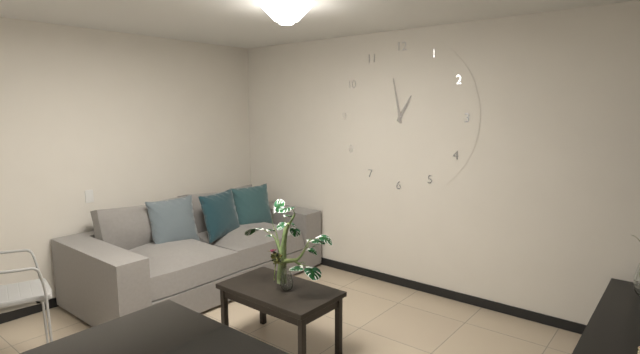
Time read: 12h58
